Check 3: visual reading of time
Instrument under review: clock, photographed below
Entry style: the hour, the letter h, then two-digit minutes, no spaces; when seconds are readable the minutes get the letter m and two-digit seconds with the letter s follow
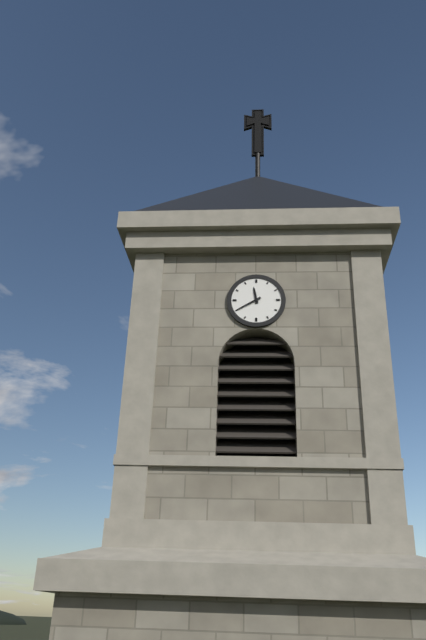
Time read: 11h40
